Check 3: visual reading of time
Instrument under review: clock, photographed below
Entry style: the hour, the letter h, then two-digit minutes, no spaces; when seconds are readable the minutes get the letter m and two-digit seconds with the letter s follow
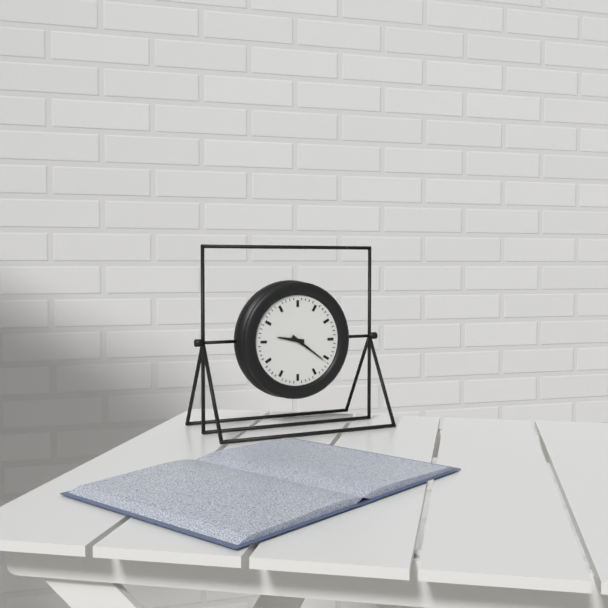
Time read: 9h21
